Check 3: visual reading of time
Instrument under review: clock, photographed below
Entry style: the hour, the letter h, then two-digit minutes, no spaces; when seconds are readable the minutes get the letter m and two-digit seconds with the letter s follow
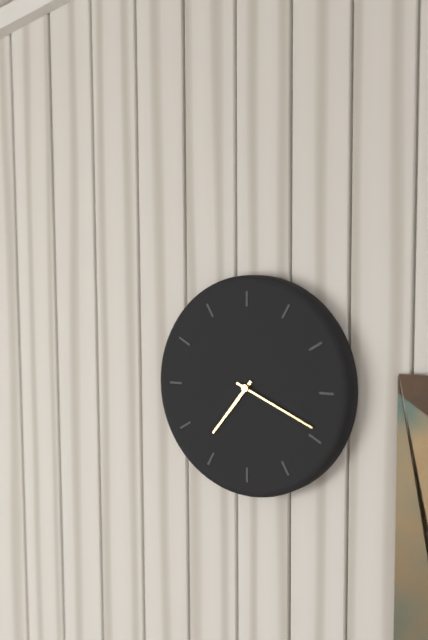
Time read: 7h19
